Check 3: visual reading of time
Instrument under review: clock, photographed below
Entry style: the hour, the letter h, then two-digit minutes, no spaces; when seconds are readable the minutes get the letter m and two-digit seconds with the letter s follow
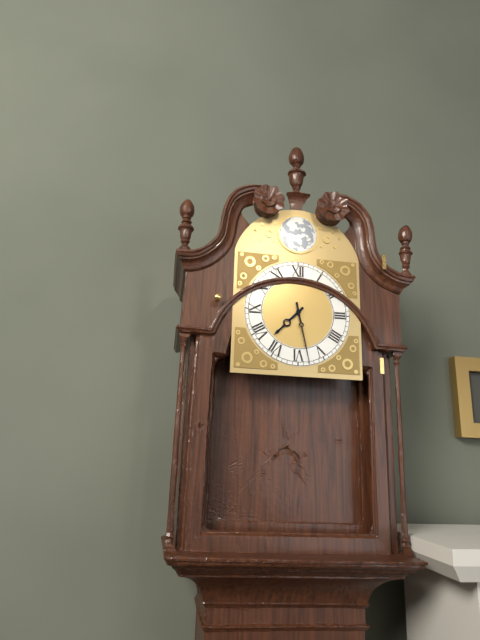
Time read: 7h28
